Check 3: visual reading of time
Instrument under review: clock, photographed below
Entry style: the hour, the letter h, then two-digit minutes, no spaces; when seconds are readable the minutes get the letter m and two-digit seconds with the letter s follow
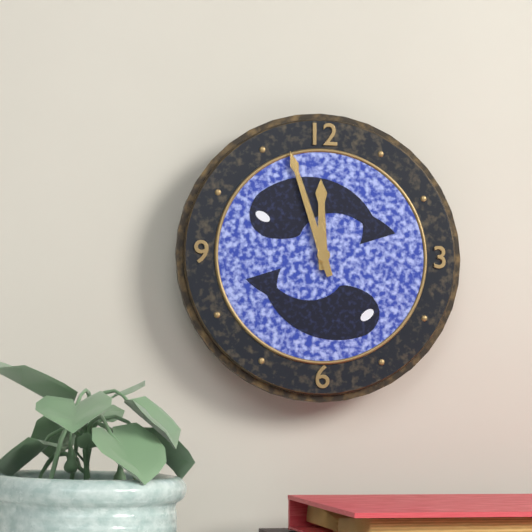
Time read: 11h57
